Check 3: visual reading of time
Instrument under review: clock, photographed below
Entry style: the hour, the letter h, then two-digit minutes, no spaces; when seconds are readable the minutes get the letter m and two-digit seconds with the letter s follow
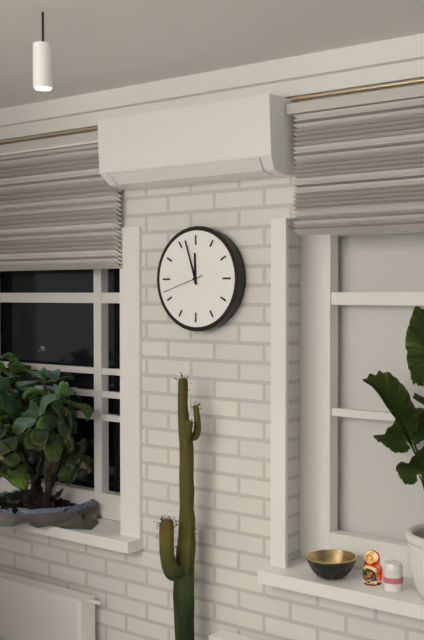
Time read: 11h57
